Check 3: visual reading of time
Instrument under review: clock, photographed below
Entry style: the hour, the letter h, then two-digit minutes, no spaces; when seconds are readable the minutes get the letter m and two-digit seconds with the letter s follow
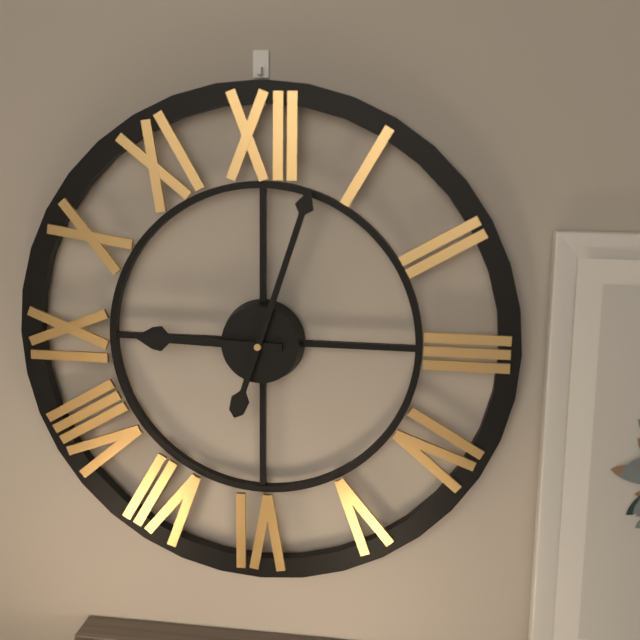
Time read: 9h03
